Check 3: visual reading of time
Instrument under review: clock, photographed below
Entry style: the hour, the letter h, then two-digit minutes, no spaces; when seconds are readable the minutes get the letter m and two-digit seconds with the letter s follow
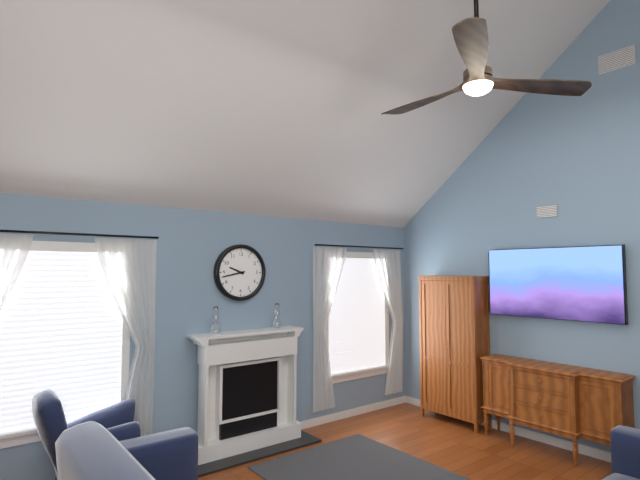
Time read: 9h43
